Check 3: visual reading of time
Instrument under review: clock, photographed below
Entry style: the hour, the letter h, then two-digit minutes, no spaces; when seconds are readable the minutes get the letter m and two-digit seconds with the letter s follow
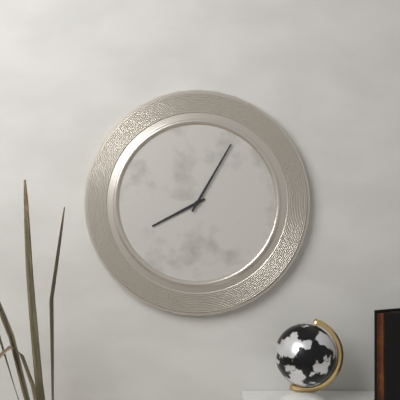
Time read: 8h05
